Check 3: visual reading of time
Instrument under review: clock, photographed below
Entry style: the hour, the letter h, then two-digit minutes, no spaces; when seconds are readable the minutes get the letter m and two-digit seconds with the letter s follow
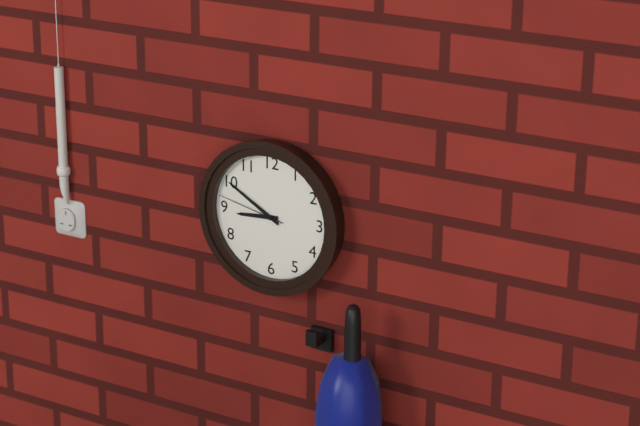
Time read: 8h50m47s
